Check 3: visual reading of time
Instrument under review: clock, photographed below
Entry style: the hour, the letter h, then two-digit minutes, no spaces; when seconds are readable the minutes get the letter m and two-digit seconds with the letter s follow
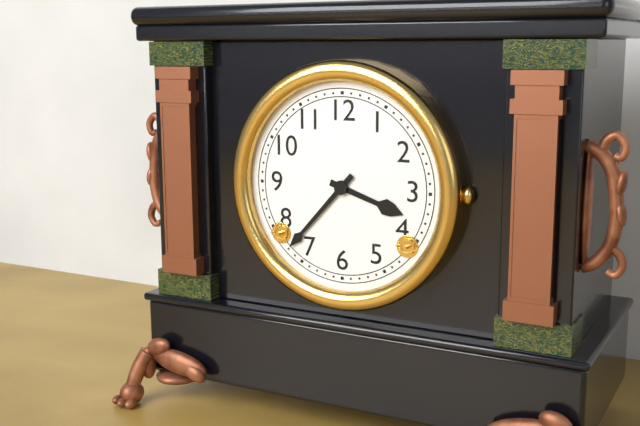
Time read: 3h37
